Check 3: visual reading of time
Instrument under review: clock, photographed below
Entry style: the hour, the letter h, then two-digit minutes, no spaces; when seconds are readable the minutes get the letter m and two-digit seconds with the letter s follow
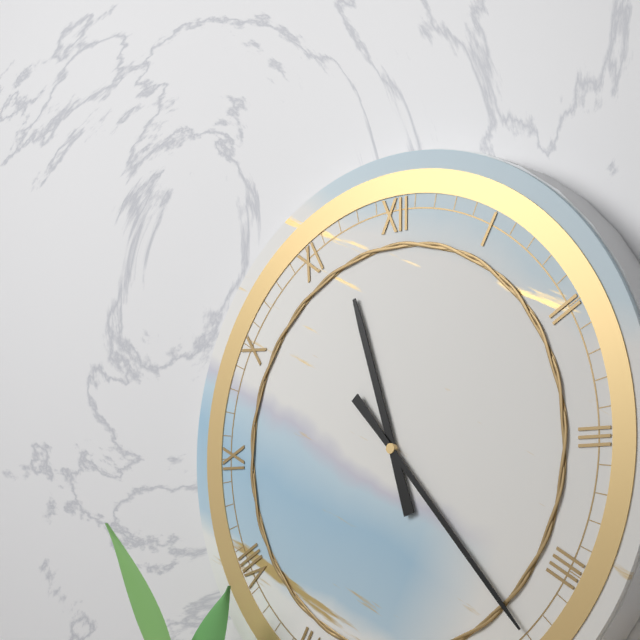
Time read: 11h23
